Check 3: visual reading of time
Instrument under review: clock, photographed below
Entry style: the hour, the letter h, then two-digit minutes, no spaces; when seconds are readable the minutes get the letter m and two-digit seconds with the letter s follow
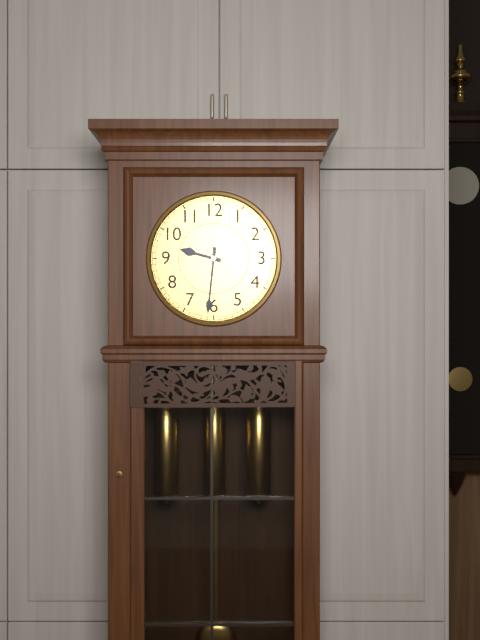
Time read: 9h31
